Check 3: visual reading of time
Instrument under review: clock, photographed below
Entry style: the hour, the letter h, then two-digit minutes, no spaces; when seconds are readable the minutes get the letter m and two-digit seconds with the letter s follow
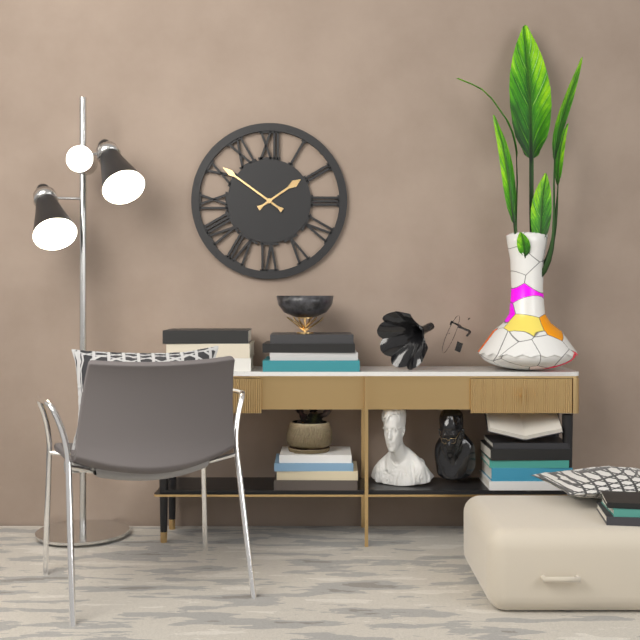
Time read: 1h51
